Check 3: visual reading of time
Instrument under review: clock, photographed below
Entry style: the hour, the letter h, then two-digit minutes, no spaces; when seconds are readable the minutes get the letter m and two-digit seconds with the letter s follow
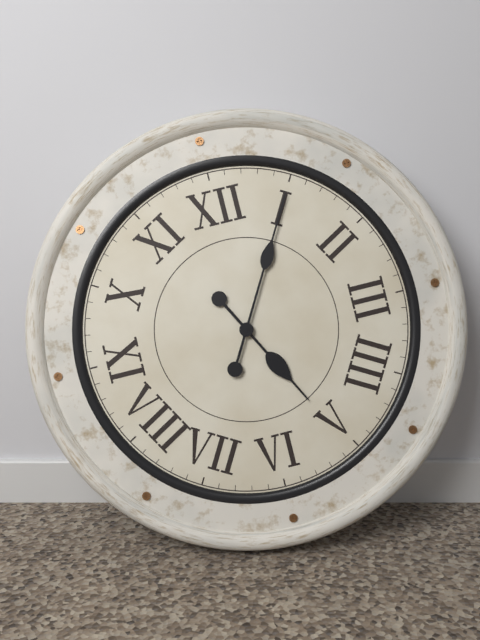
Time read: 5h05
